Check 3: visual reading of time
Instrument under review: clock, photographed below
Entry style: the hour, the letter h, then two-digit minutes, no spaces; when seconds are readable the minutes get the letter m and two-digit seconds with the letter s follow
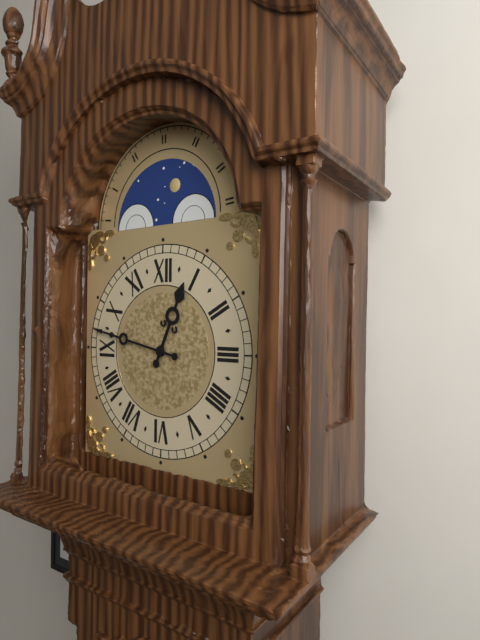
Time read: 12h47
